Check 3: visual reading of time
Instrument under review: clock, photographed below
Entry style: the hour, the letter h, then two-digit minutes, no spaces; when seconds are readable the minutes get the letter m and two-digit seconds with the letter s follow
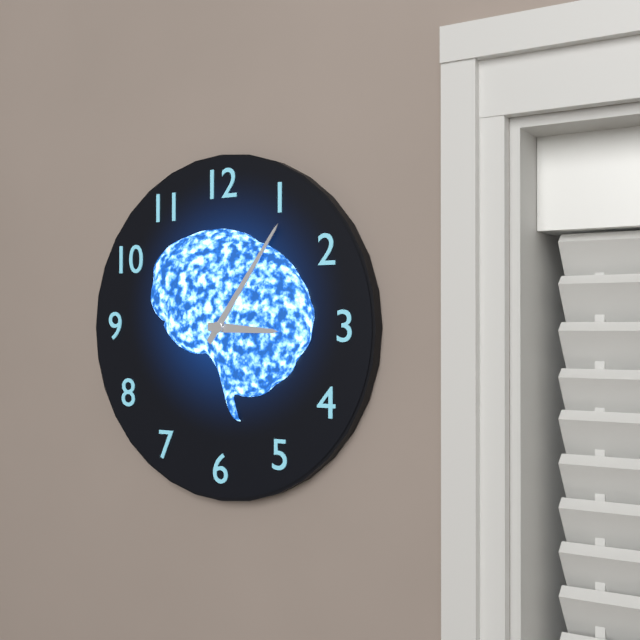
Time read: 3h06
